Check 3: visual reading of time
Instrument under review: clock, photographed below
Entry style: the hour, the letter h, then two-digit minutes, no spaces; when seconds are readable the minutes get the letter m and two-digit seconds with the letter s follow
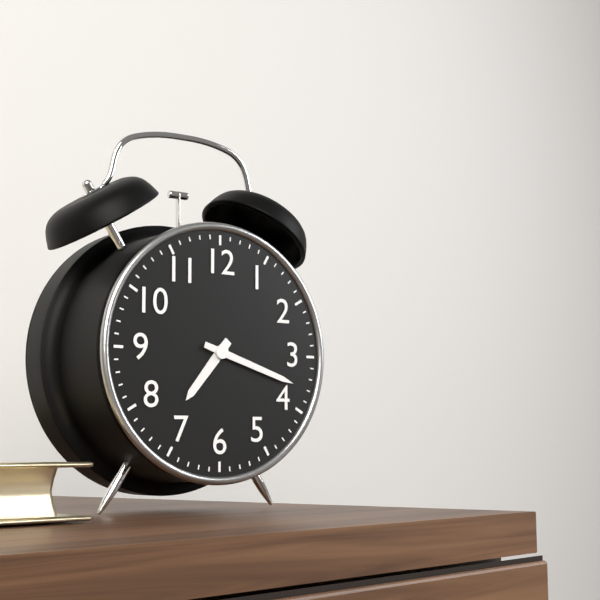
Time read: 7h18
